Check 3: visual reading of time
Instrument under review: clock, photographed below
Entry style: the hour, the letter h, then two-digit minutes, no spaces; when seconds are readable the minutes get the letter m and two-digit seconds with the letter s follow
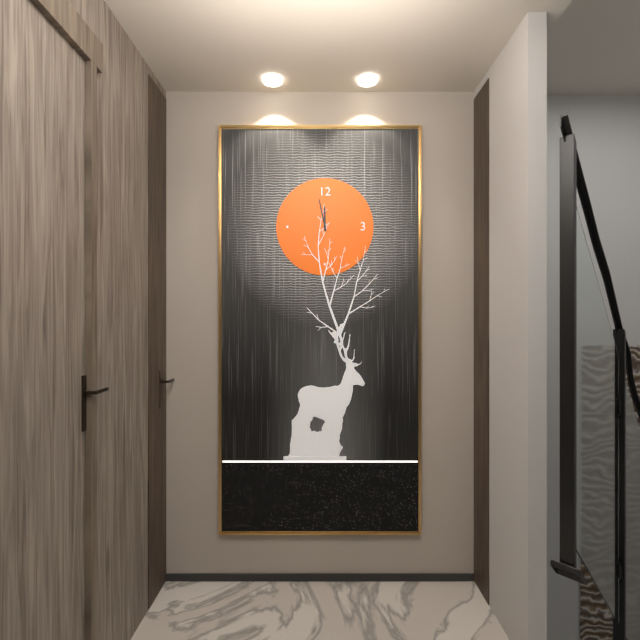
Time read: 11h58
